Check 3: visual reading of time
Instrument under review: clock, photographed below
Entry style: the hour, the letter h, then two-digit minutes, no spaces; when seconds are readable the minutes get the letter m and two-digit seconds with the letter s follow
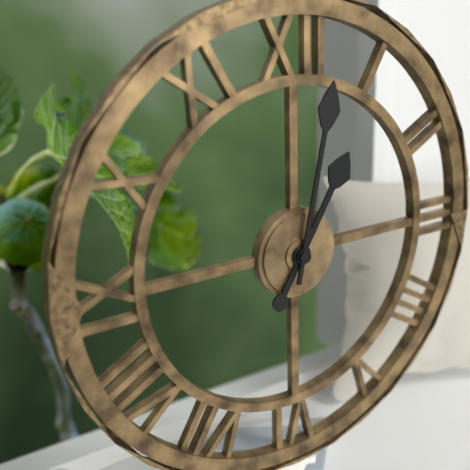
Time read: 1h02
